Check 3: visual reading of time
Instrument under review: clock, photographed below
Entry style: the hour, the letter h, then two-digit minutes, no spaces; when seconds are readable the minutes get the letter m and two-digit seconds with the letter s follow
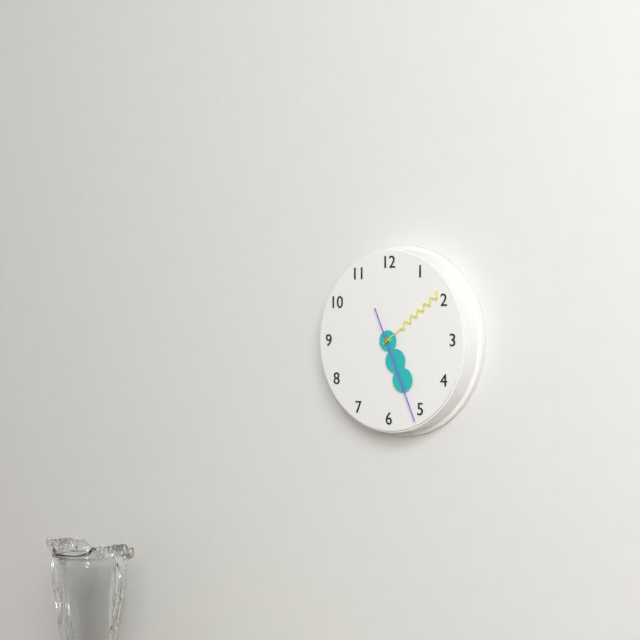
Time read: 5h09m26s
